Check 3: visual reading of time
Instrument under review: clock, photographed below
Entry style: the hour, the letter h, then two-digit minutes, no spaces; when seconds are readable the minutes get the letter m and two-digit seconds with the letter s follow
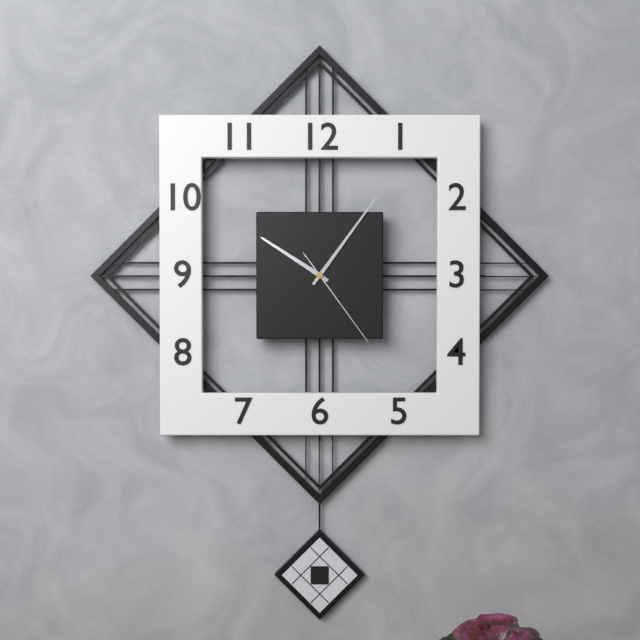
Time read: 10h06m24s
